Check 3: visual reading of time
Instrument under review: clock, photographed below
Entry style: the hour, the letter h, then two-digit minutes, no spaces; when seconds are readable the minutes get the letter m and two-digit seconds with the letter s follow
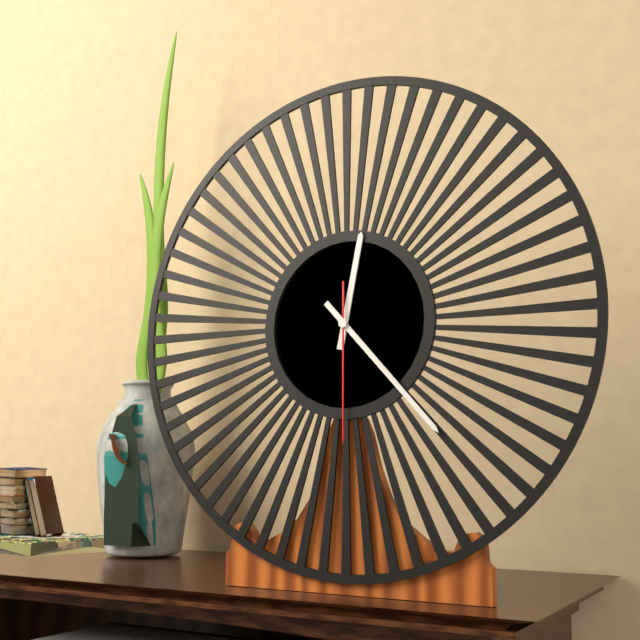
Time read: 12h23m30s
